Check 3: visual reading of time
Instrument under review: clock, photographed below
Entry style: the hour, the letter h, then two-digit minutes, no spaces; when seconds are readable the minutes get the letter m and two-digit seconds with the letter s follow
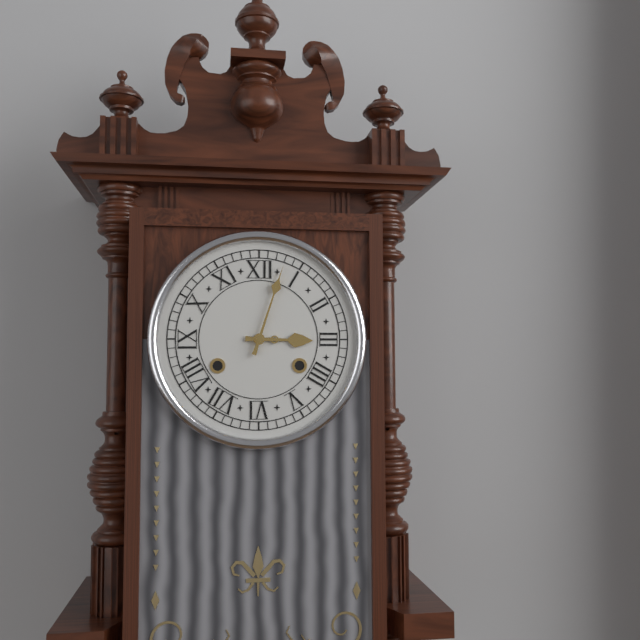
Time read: 3h03
